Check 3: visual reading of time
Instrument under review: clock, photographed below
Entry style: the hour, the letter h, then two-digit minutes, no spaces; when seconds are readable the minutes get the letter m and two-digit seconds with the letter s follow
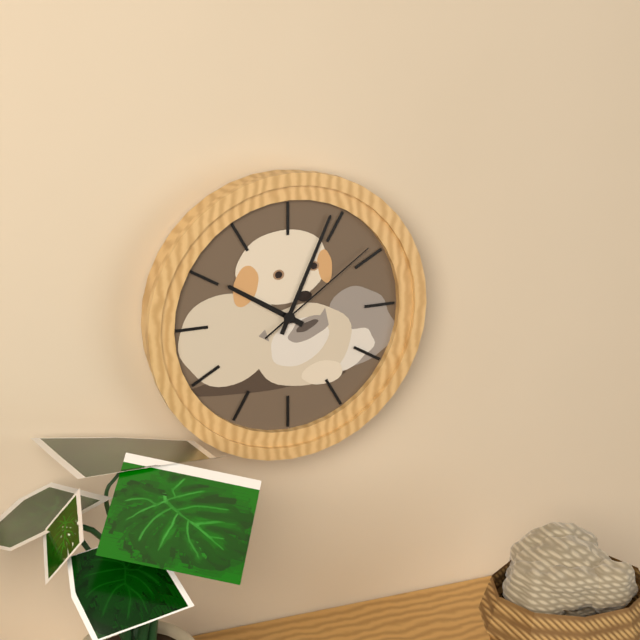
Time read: 10h04m09s
